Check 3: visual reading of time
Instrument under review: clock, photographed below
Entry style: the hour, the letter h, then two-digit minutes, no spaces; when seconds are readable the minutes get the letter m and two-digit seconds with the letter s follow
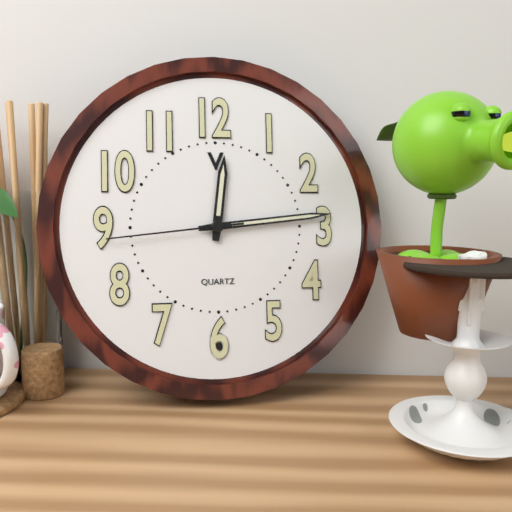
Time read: 12h14m44s
